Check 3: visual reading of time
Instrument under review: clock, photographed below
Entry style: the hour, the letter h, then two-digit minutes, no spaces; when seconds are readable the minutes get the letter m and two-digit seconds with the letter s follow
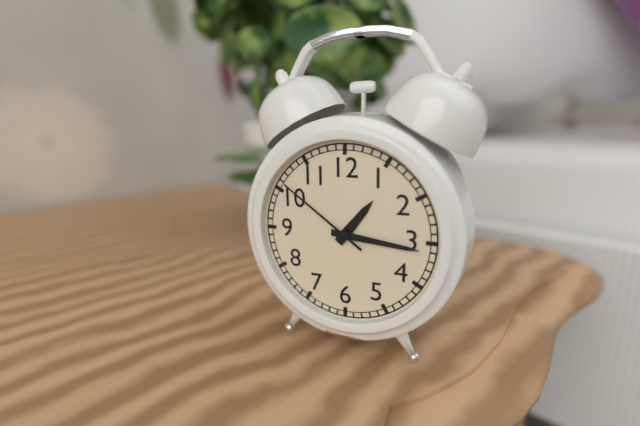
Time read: 1h16m51s
